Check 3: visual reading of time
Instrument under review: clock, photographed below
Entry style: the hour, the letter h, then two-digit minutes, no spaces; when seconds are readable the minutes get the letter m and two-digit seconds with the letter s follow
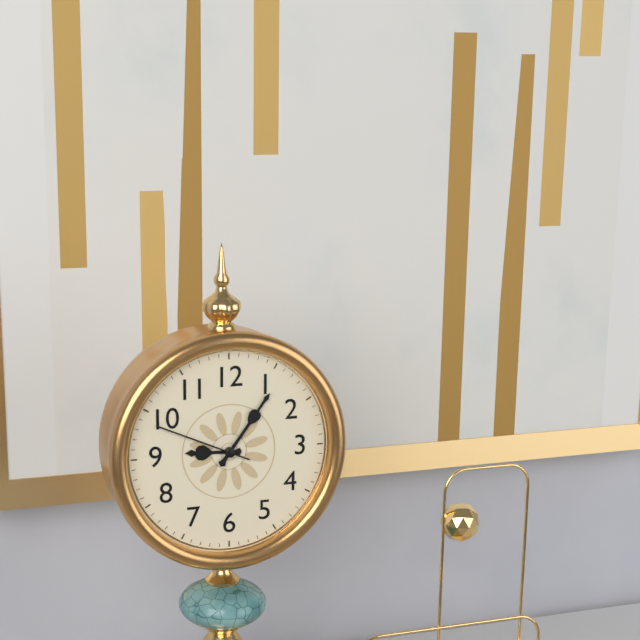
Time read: 9h06m49s
